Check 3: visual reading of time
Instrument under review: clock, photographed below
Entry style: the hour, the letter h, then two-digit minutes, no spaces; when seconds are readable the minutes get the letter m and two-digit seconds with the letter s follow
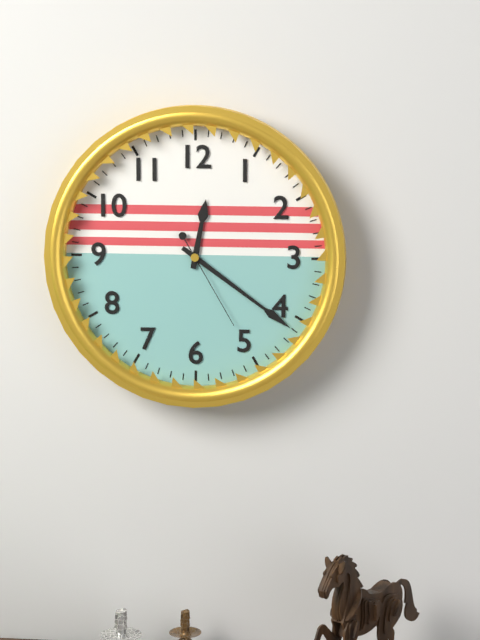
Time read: 12h21m25s
